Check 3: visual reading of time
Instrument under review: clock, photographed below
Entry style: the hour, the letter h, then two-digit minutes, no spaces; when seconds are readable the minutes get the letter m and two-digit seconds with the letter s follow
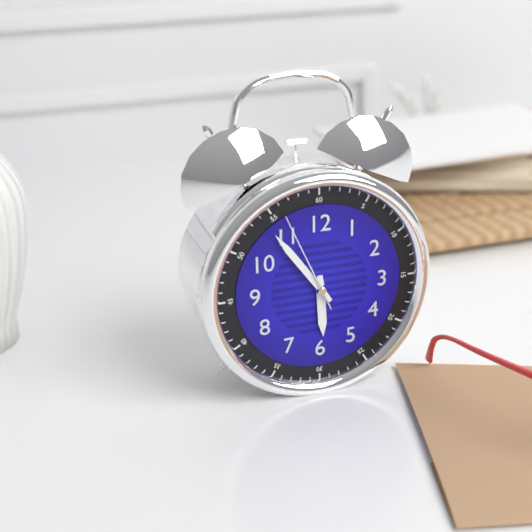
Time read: 5h54m56s
